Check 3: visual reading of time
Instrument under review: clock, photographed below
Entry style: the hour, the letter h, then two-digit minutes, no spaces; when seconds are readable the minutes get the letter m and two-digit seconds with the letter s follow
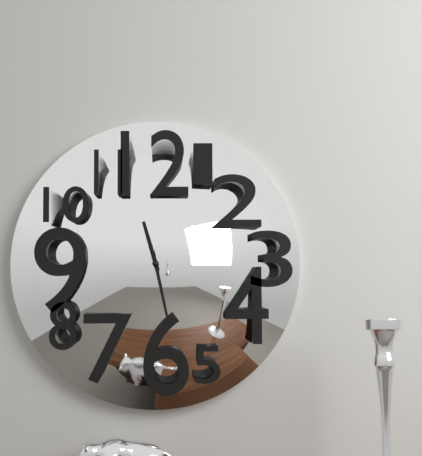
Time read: 11h28
